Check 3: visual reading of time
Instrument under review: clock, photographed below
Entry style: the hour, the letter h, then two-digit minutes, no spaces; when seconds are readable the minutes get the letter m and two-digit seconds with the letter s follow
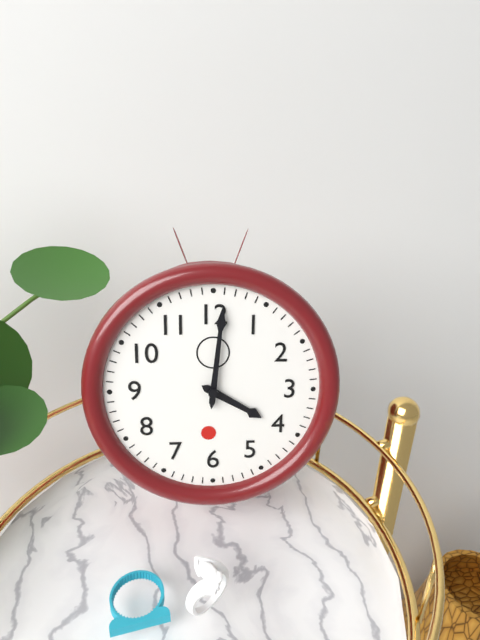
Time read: 4h01
